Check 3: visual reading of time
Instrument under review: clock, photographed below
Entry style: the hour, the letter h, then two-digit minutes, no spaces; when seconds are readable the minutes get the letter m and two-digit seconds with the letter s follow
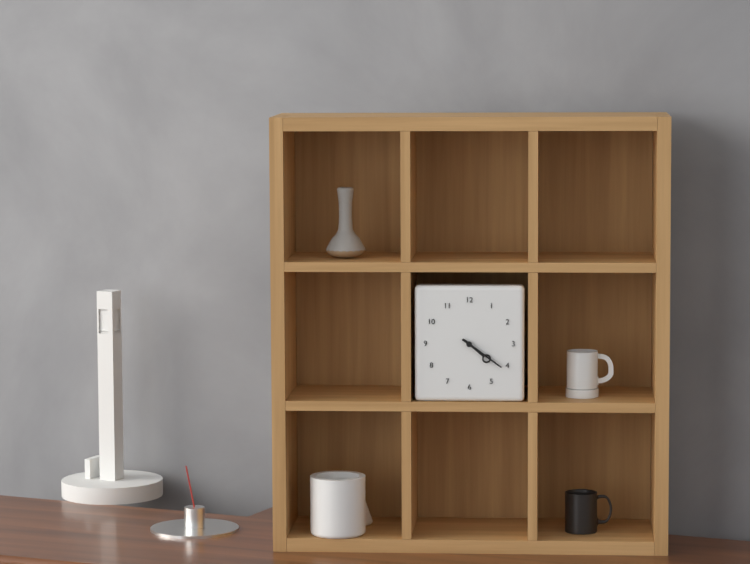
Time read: 4h21
